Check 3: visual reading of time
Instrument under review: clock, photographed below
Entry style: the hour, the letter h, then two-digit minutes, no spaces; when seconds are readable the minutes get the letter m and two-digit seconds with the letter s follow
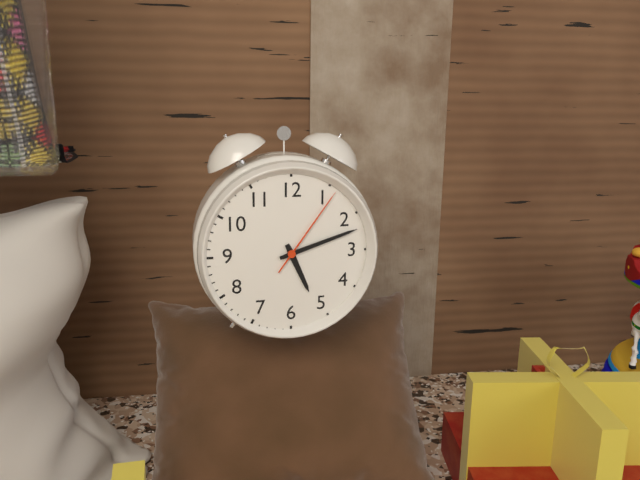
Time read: 5h12m06s
